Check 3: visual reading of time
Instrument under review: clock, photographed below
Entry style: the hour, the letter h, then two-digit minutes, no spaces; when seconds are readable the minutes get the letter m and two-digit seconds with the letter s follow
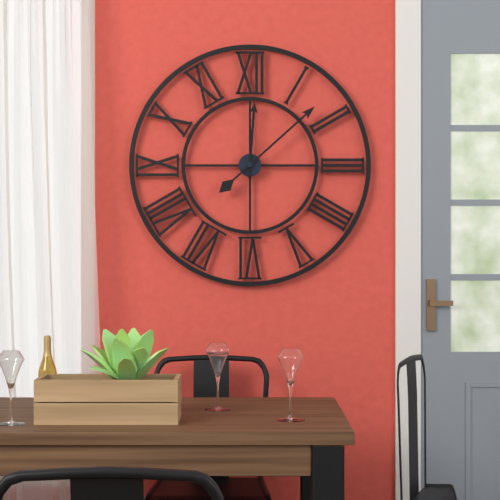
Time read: 12h08
